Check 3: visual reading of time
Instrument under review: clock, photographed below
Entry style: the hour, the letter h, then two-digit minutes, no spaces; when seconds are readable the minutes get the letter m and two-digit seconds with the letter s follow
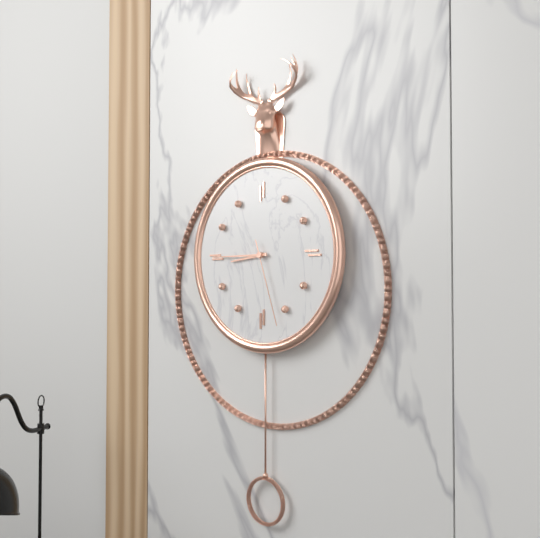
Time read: 8h45m27s
